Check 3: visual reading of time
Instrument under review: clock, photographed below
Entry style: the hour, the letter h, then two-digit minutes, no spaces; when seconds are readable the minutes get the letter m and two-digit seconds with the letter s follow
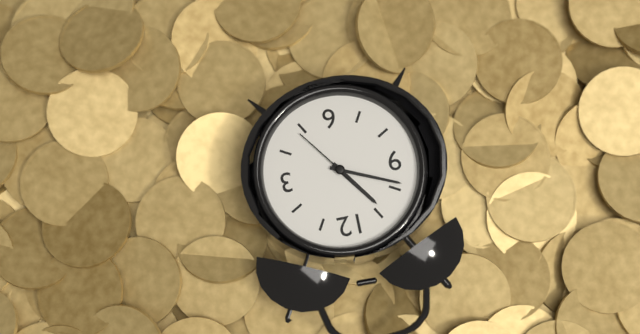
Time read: 10h49m24s
